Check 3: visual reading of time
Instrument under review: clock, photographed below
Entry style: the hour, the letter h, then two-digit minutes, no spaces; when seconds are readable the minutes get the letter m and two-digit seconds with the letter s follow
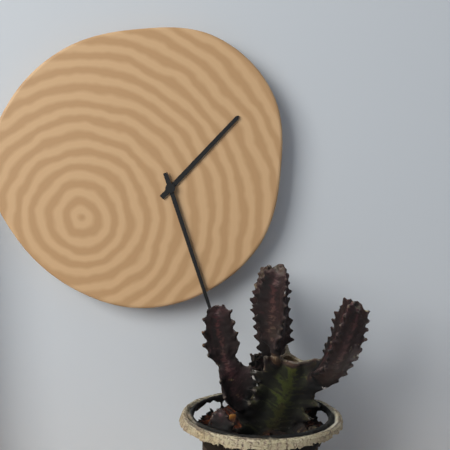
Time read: 1h27
